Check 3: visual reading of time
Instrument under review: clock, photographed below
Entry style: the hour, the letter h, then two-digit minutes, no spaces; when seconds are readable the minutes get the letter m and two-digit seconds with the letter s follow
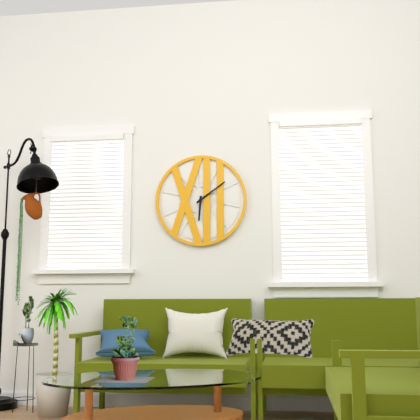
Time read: 6h09
